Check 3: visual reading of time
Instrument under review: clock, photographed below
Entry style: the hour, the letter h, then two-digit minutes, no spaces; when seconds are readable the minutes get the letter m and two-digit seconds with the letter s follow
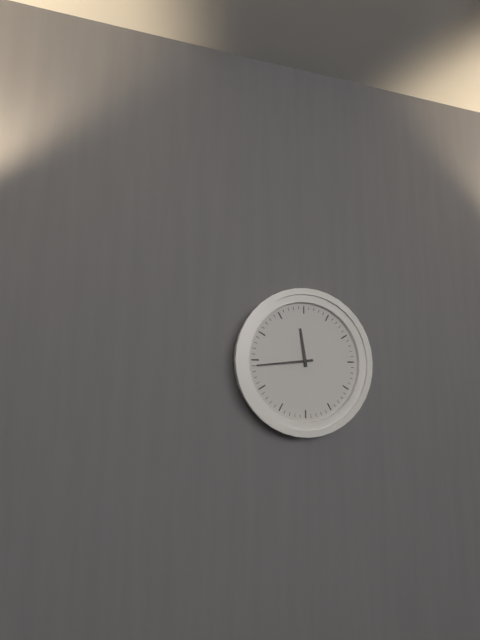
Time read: 11h44
